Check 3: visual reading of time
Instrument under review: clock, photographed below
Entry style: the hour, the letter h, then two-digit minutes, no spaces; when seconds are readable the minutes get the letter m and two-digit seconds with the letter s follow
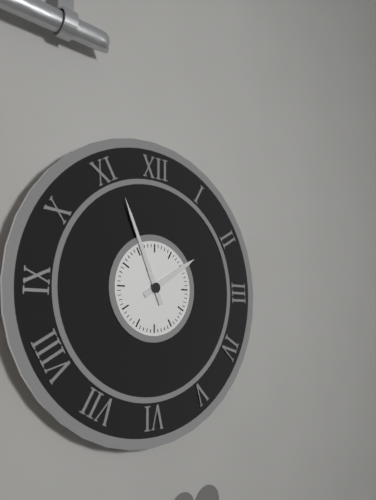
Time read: 1h56
